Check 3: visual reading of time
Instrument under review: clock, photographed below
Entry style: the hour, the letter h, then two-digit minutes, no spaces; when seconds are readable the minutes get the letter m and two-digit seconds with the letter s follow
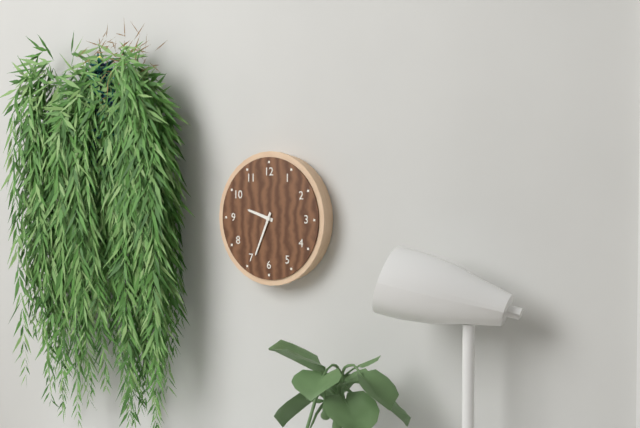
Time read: 9h34
